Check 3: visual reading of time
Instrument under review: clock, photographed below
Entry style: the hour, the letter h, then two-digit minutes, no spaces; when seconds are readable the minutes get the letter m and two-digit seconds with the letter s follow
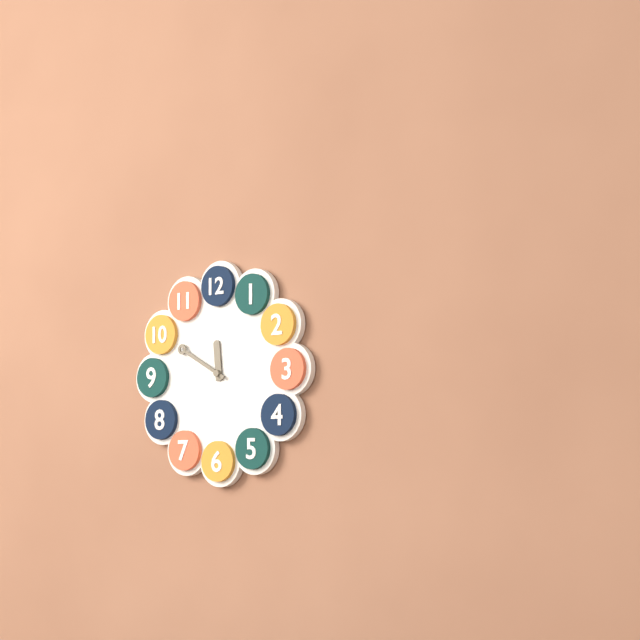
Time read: 11h50
